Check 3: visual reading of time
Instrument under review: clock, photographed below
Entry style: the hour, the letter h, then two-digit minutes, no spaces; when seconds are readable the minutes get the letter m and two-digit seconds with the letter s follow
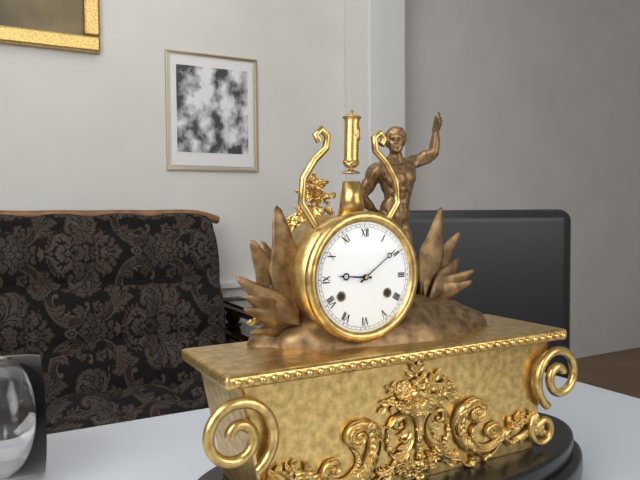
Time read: 9h09
